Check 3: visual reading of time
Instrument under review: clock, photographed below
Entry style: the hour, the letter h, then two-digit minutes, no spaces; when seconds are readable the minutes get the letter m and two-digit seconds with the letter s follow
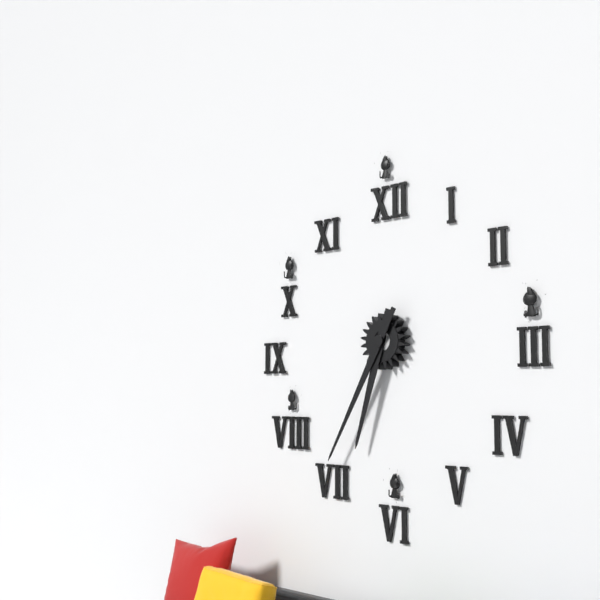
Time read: 6h35
